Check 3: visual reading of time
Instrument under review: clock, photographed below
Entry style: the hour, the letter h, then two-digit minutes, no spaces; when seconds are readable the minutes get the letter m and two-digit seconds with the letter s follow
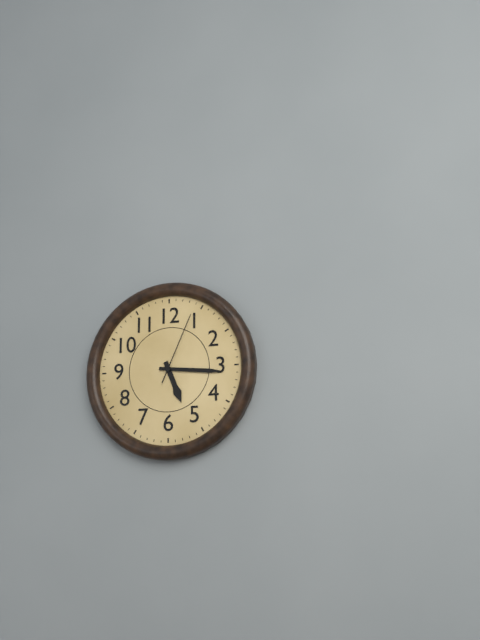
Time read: 5h16m04s
